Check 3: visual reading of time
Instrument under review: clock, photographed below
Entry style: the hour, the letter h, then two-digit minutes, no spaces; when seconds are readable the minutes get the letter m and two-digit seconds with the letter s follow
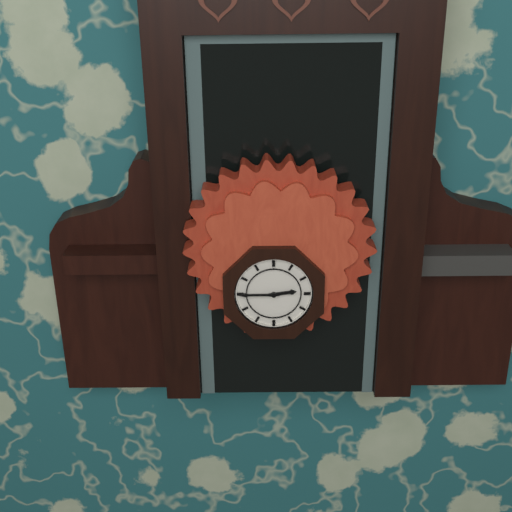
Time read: 2h45
